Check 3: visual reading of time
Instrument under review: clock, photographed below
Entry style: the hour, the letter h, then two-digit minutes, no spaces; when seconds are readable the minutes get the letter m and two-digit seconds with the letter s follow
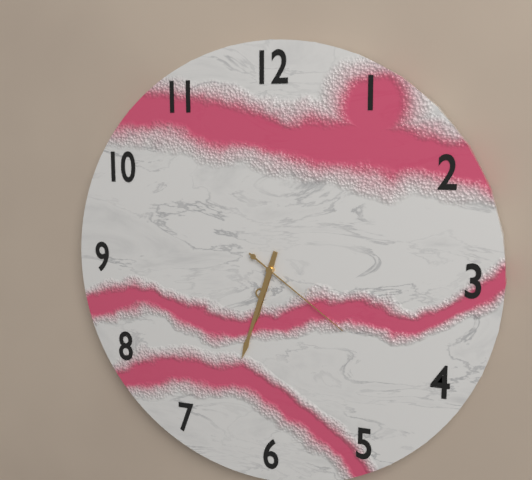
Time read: 6h33m21s
